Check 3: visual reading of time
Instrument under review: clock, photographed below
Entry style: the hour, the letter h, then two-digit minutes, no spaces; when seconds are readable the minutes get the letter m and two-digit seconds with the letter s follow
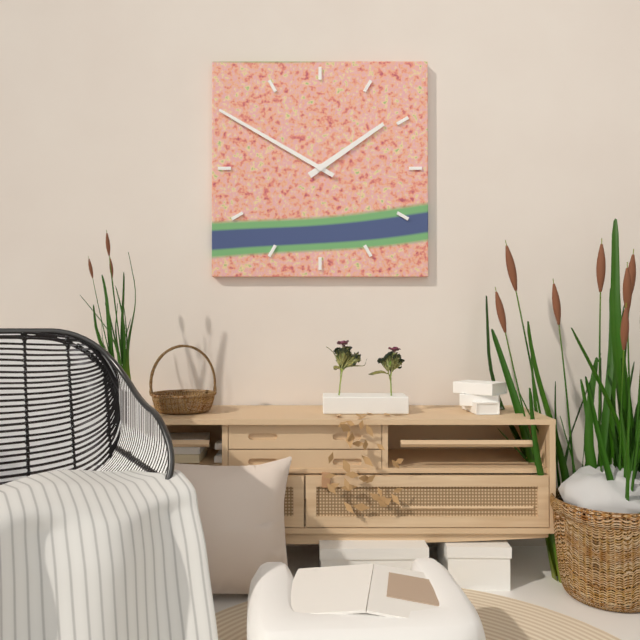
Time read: 1h50
